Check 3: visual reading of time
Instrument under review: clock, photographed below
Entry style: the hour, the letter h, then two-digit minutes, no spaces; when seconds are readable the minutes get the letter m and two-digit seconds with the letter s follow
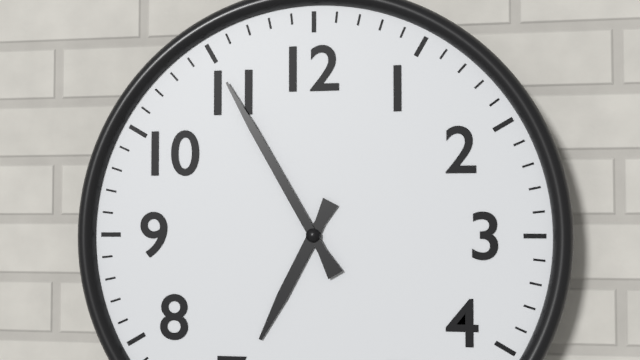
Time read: 6h55
